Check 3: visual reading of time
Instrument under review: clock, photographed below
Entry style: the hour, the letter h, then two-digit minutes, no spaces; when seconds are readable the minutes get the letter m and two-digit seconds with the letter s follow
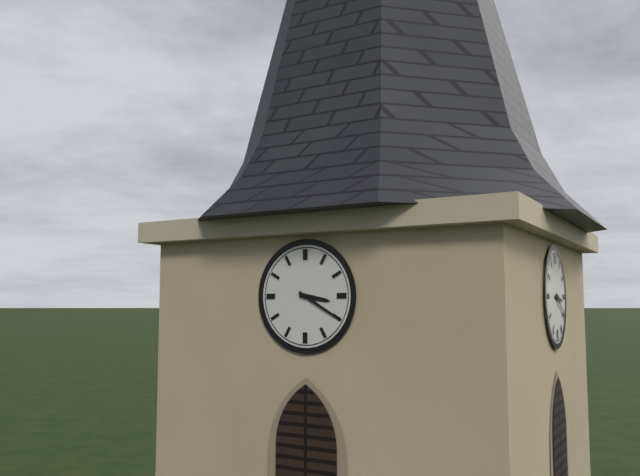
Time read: 3h20
